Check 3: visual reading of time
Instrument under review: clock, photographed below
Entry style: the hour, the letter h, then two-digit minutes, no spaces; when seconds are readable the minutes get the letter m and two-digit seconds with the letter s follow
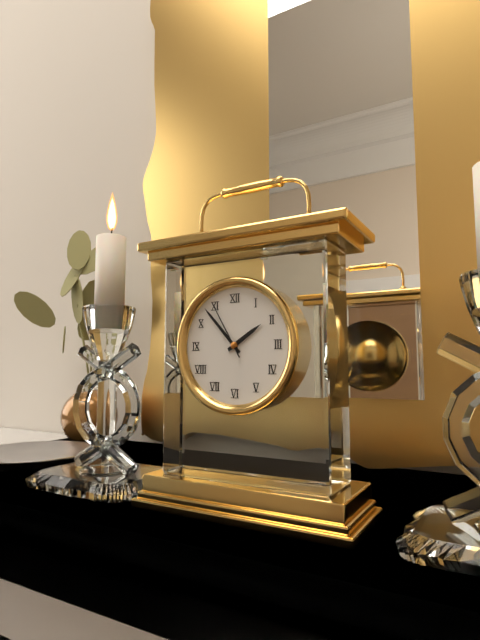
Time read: 1h53m55s
